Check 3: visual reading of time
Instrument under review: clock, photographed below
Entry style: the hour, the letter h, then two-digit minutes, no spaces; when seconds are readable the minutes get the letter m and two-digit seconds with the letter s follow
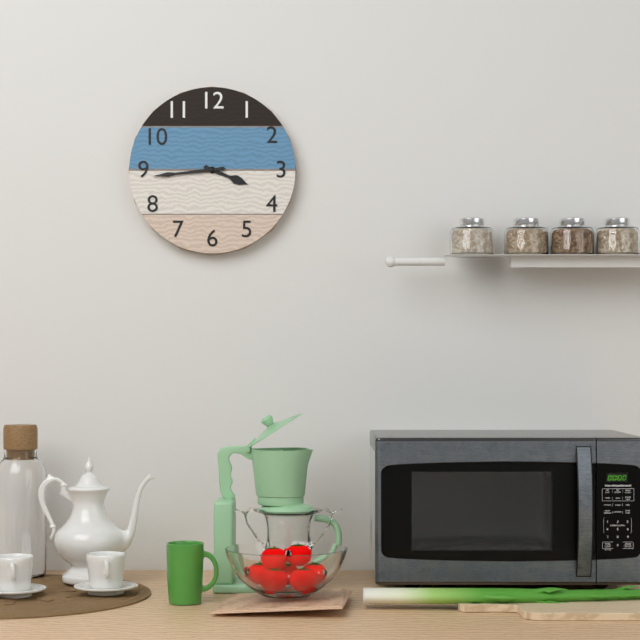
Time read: 3h44
